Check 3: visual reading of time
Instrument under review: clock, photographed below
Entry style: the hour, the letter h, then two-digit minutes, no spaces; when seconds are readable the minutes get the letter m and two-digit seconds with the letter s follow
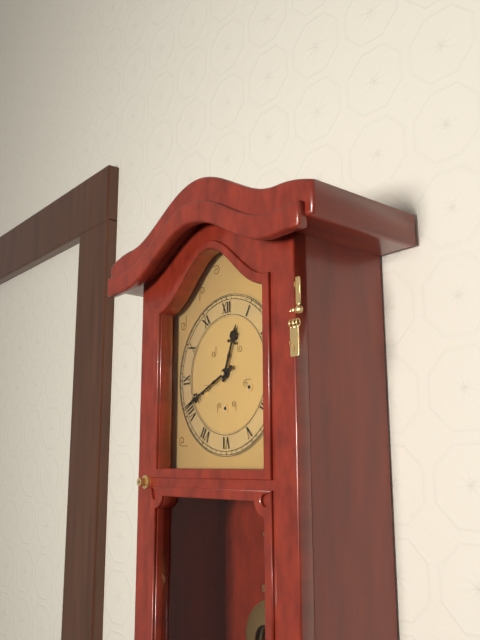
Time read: 12h41
